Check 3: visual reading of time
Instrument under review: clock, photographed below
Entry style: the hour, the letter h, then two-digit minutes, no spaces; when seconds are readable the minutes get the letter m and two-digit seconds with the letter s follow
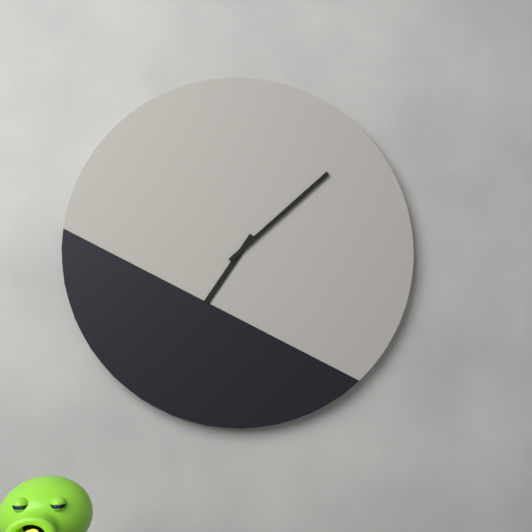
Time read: 7h08
